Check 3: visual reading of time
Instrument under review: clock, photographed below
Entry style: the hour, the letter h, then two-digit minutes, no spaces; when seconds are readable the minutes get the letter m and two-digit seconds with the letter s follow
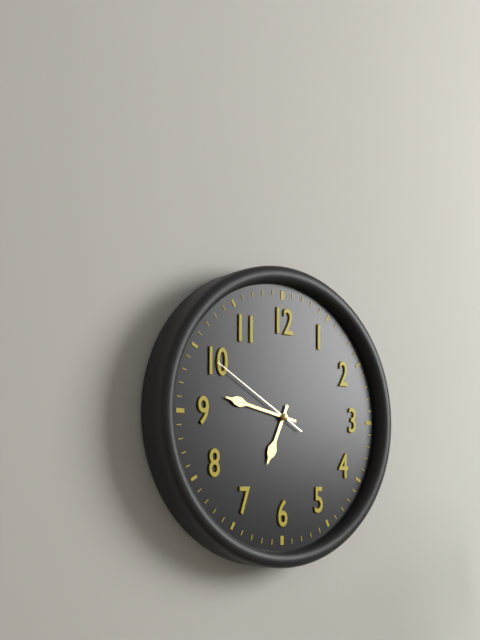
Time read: 6h47m50s
